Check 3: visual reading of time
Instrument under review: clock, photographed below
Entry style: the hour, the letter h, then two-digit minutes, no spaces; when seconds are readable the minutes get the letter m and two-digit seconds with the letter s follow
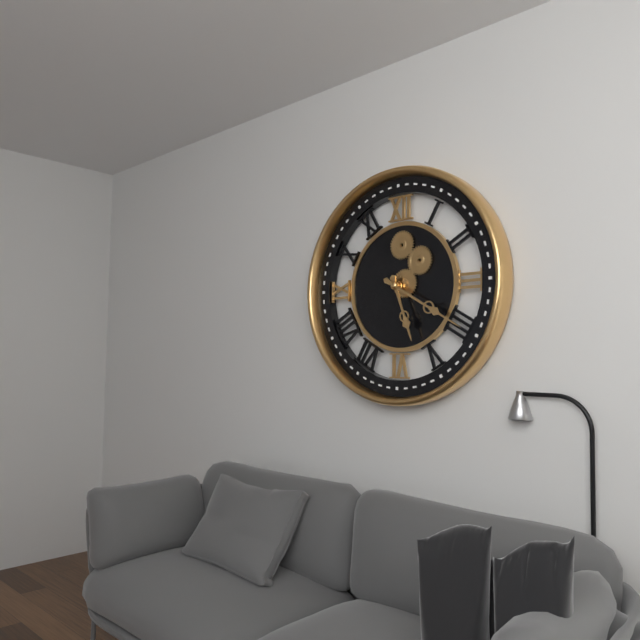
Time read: 5h20
